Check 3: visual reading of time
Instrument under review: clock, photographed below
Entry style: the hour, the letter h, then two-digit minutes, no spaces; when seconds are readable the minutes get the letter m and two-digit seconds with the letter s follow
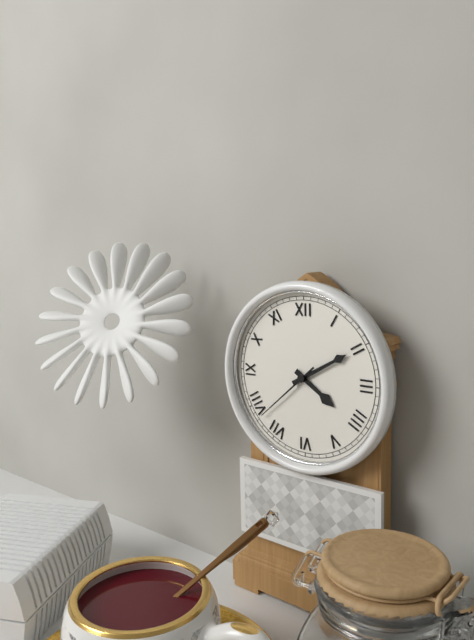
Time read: 4h10m38s
